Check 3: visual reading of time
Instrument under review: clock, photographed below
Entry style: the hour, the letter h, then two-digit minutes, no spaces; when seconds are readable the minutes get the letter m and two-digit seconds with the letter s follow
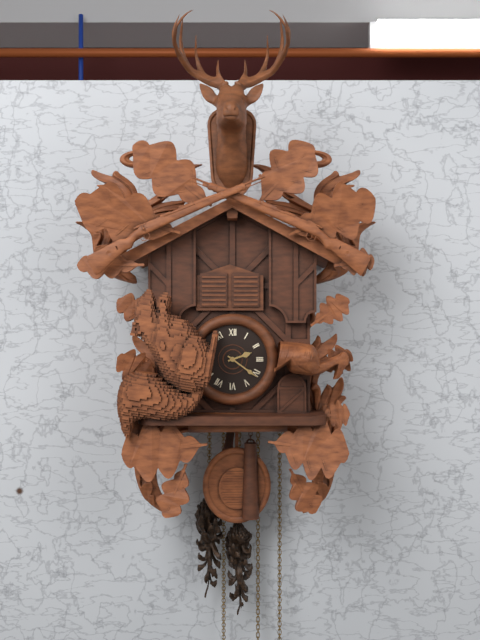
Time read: 2h21
